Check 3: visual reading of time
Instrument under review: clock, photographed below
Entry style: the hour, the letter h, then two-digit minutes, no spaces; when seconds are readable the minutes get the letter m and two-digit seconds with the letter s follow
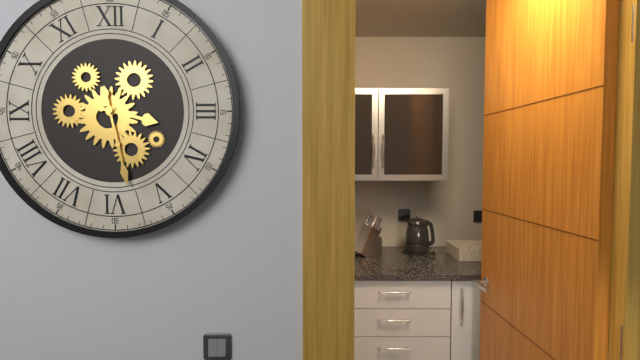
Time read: 3h28
